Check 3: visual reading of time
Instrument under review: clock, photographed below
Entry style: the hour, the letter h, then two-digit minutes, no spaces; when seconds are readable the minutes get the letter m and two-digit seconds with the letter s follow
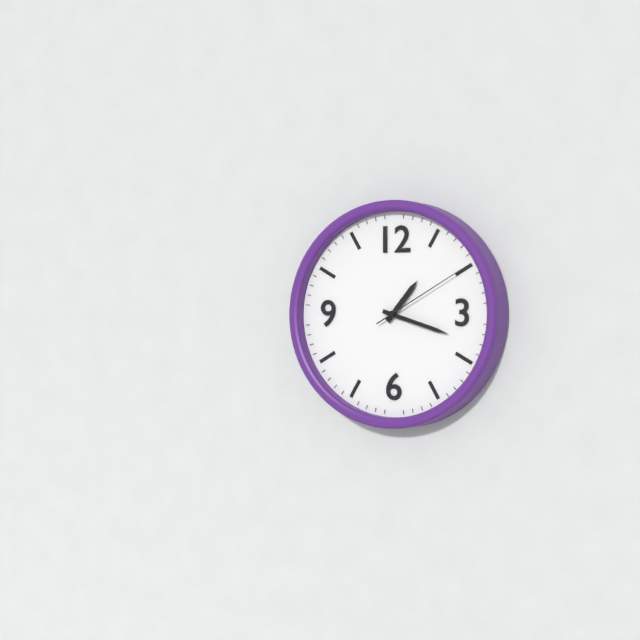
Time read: 1h18m10s
